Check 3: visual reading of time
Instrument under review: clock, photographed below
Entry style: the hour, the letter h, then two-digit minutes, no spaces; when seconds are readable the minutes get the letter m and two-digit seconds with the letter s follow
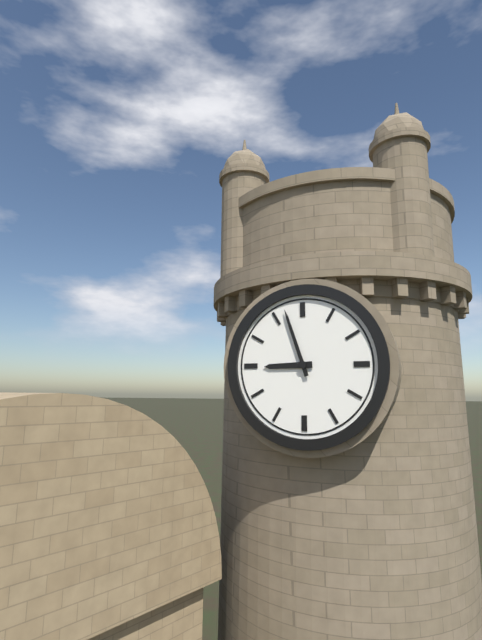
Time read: 8h57
